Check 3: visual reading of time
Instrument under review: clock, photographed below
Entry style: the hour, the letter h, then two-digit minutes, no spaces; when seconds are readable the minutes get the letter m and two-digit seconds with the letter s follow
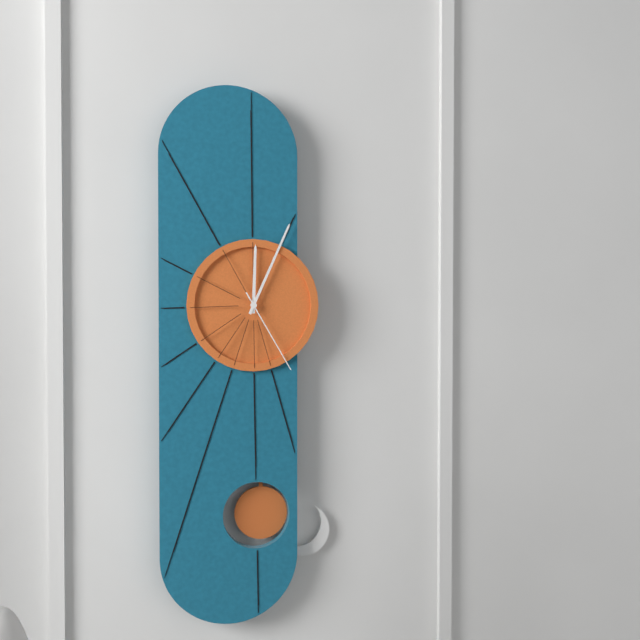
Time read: 12h04m25s
